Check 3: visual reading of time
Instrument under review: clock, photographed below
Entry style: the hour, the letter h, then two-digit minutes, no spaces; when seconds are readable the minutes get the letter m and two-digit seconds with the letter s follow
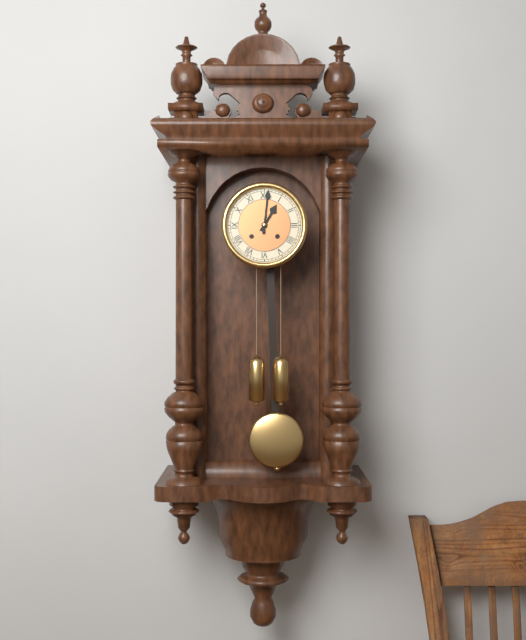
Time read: 1h01
